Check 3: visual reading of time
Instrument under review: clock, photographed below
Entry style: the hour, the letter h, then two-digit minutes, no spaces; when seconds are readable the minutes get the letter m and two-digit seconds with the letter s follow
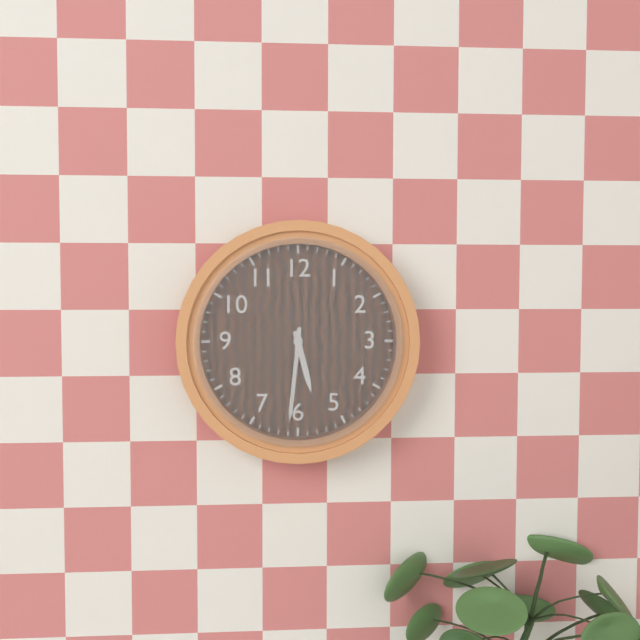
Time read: 5h31
